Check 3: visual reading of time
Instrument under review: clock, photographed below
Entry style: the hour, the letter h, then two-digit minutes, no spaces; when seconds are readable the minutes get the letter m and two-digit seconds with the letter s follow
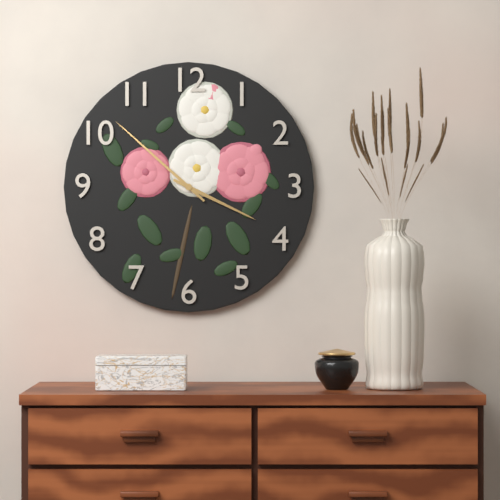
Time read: 3h52
